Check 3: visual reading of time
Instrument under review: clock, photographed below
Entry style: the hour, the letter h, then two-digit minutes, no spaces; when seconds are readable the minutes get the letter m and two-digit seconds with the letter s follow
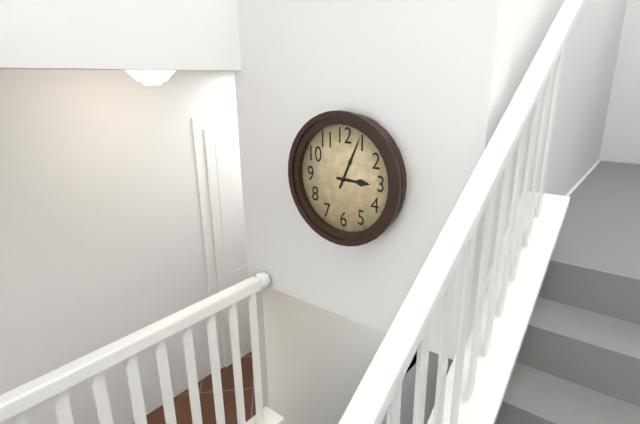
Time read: 3h04
